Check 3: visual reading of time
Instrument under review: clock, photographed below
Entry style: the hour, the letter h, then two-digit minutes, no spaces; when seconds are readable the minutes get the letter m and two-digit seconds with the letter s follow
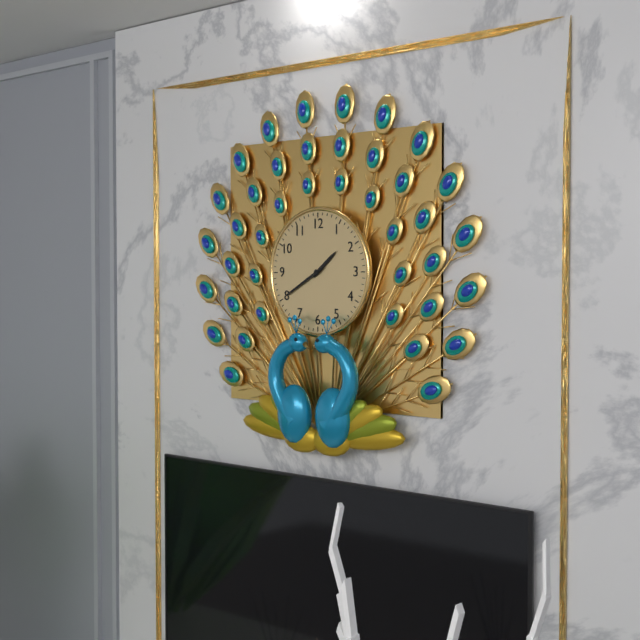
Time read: 1h40
